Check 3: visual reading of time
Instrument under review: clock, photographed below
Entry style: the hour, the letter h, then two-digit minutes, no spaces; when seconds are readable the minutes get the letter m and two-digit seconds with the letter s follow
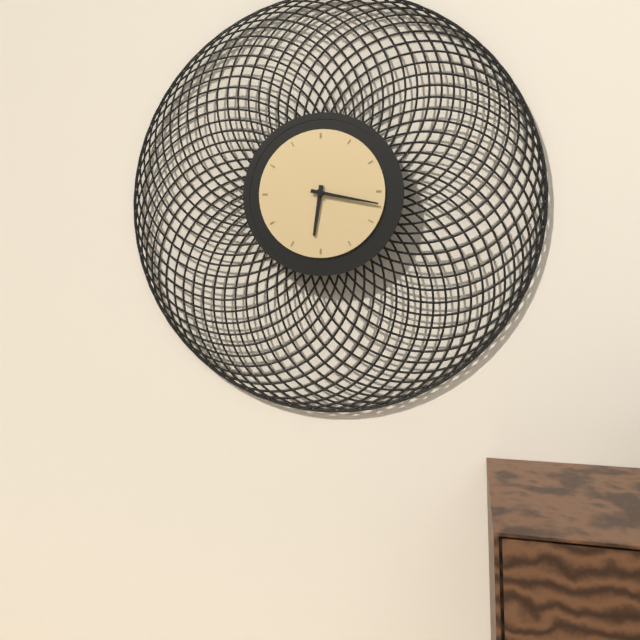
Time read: 6h17
